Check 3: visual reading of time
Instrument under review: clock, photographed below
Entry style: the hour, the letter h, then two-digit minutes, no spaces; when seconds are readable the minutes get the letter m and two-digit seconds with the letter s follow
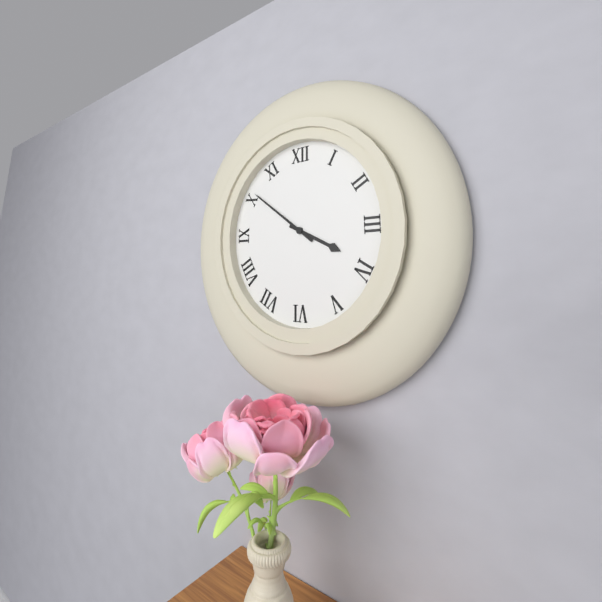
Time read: 3h51
